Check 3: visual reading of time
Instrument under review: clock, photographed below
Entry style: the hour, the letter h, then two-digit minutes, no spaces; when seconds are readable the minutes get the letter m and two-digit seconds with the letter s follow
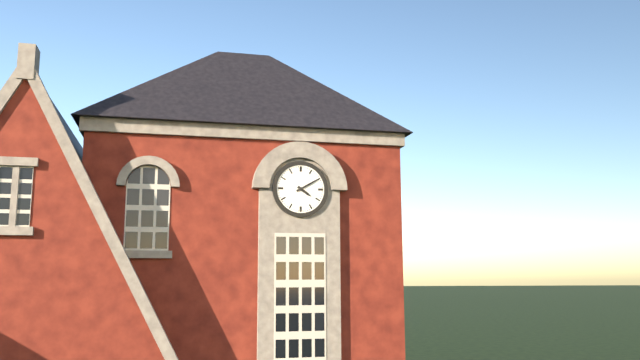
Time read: 4h10
